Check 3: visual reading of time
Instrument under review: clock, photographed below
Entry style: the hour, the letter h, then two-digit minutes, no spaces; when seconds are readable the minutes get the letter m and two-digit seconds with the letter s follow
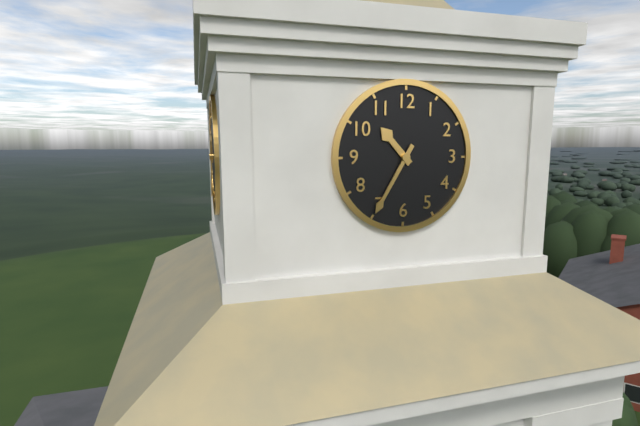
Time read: 10h35
